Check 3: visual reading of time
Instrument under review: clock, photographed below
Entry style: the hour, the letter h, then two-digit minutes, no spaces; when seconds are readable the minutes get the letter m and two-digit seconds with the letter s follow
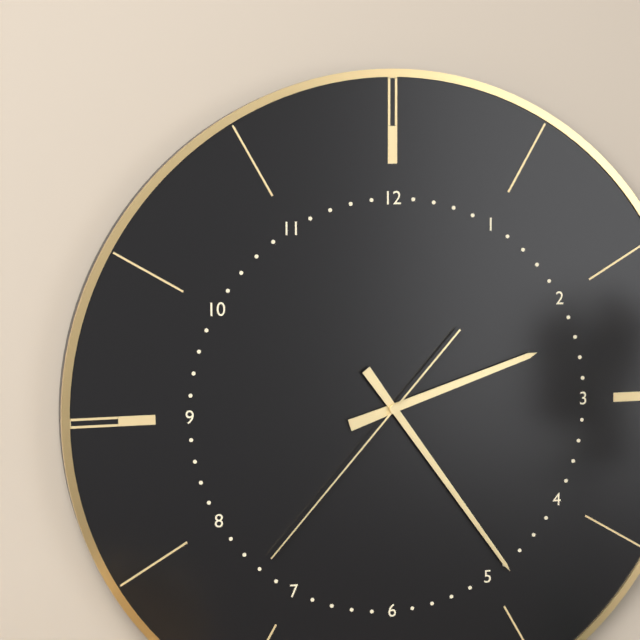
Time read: 2h24m37s
